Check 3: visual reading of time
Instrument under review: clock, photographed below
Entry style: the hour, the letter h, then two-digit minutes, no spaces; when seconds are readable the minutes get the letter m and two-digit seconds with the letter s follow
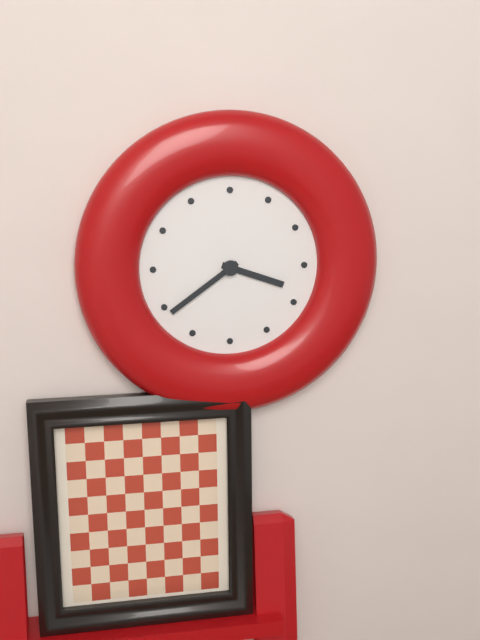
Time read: 3h39
